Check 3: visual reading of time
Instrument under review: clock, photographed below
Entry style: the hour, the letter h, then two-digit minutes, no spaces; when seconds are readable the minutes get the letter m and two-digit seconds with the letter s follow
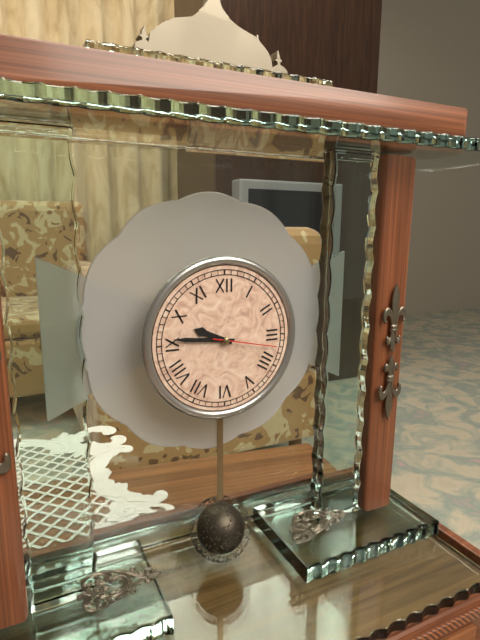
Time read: 9h46m17s
